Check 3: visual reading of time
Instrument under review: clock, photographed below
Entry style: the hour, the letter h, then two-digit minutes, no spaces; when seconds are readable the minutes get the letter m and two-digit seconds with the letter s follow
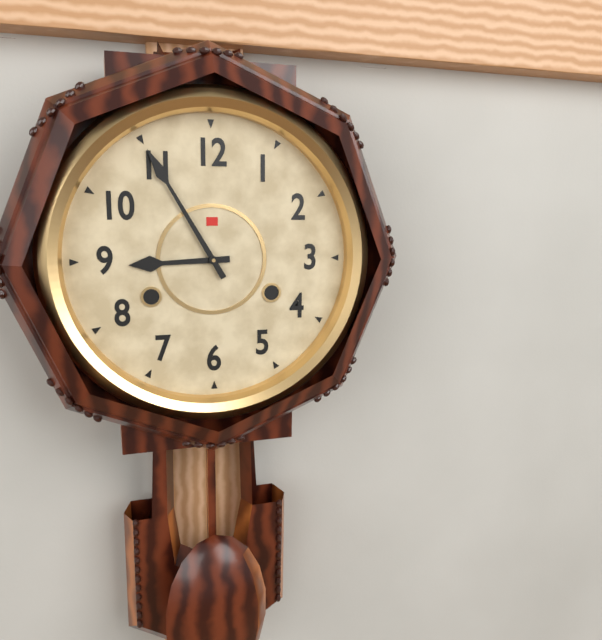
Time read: 8h55
